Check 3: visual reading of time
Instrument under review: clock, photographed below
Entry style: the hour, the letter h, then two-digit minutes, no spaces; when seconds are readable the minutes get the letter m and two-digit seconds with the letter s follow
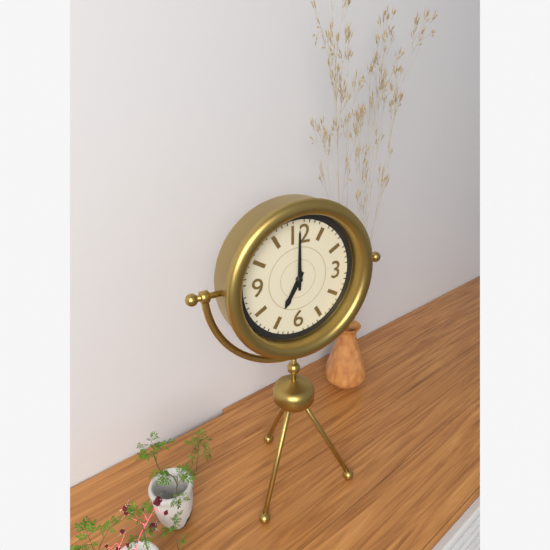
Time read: 7h00
